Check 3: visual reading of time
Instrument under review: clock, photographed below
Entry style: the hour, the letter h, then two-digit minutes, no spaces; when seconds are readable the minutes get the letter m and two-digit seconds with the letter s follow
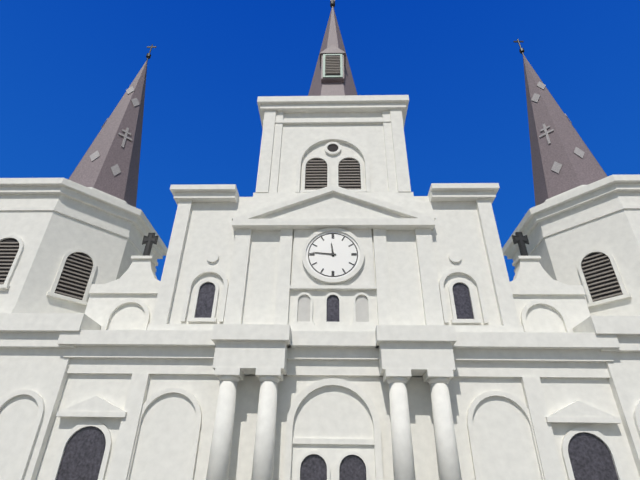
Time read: 11h46
